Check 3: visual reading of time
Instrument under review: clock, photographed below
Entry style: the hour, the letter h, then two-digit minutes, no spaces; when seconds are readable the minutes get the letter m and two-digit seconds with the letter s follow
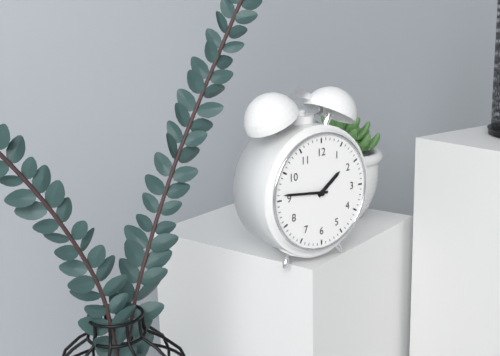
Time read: 1h46
